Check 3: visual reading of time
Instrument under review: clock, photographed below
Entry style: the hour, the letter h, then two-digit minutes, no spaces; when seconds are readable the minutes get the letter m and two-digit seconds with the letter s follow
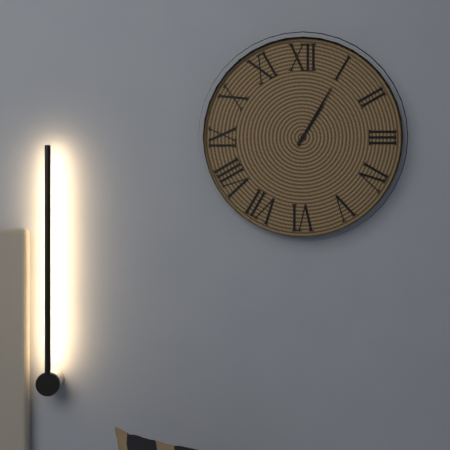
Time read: 1h05
